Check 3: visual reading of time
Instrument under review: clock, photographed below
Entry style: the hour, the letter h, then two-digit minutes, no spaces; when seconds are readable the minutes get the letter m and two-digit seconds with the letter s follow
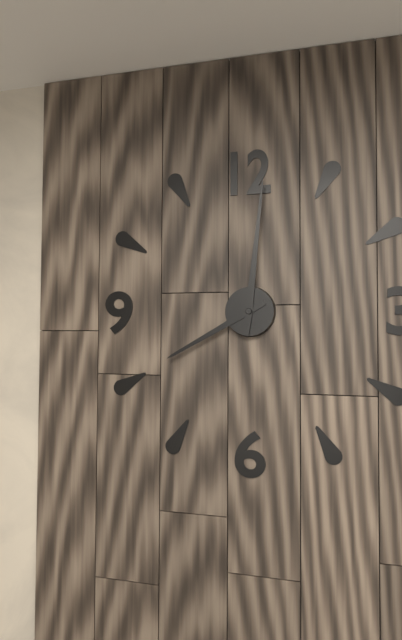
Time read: 8h01
